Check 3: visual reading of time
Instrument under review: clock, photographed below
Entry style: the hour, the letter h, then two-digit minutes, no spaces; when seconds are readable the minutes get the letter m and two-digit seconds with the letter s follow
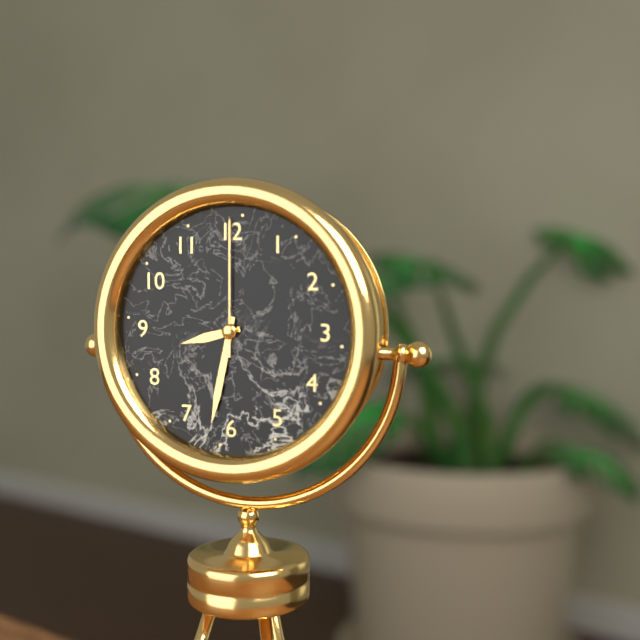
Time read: 8h32m00s
